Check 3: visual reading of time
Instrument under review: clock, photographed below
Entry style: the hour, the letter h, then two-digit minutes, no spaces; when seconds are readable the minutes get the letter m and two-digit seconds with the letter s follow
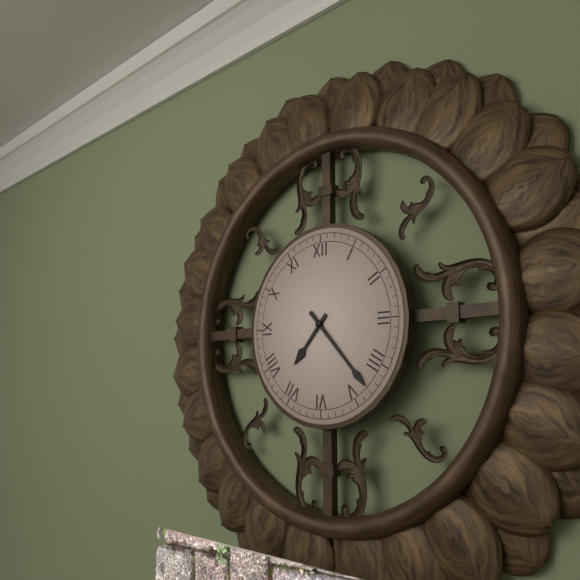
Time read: 7h23
